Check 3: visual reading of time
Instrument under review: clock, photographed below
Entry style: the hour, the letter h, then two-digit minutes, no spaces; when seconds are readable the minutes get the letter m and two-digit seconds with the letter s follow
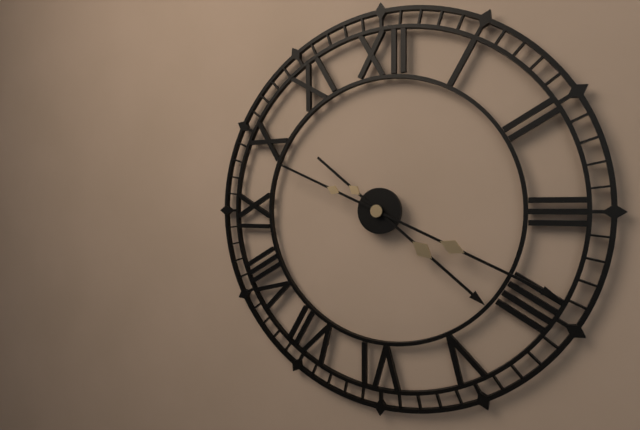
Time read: 4h19
